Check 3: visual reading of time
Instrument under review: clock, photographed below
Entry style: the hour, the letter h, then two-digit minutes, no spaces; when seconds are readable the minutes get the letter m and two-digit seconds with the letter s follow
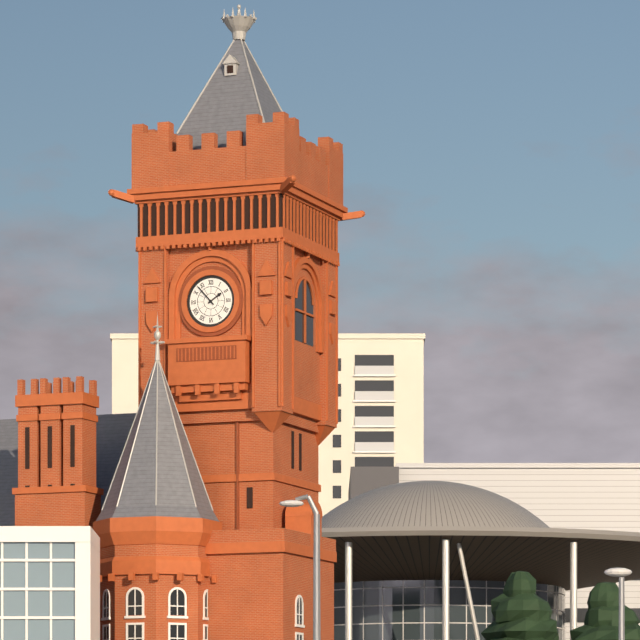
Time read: 1h53
